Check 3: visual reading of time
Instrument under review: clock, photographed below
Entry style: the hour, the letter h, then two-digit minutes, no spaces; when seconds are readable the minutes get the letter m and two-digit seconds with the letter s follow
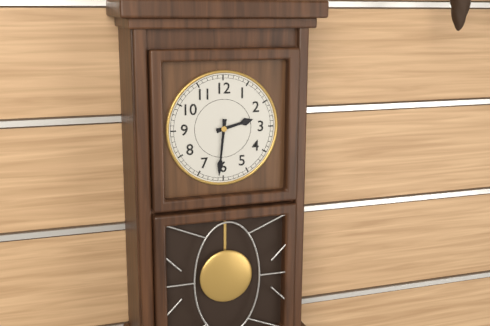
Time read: 2h31
